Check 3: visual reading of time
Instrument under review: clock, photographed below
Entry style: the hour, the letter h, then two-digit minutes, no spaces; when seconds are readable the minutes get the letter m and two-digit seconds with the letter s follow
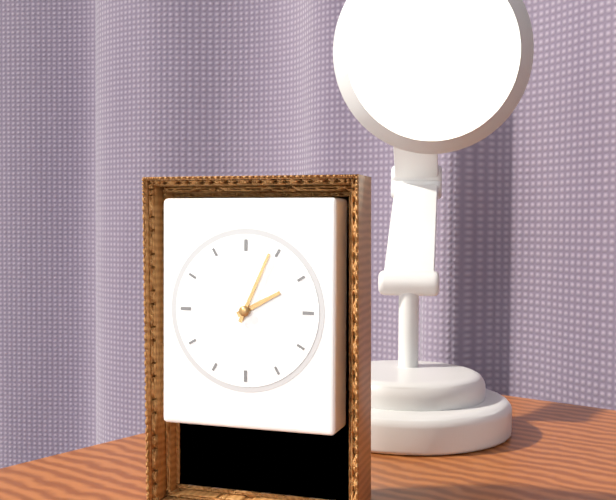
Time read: 2h04
